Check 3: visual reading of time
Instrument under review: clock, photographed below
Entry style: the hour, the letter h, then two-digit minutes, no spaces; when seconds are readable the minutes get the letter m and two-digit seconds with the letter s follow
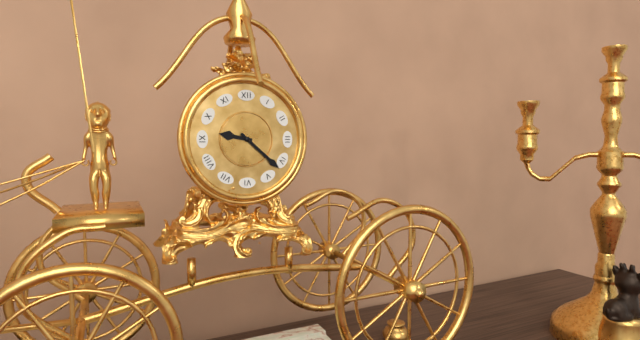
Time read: 9h22
